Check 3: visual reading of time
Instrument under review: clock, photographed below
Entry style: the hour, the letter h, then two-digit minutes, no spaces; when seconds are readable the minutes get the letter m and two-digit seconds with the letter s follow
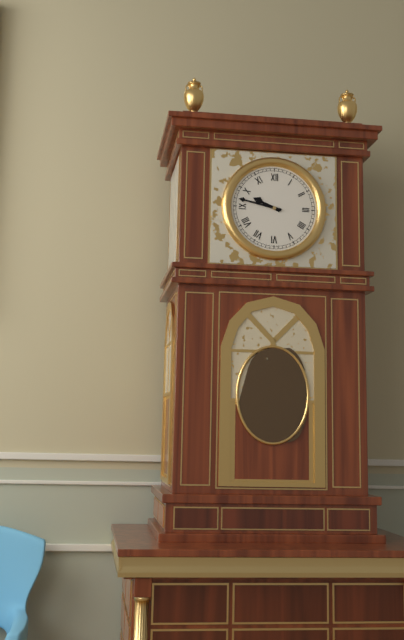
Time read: 9h47
